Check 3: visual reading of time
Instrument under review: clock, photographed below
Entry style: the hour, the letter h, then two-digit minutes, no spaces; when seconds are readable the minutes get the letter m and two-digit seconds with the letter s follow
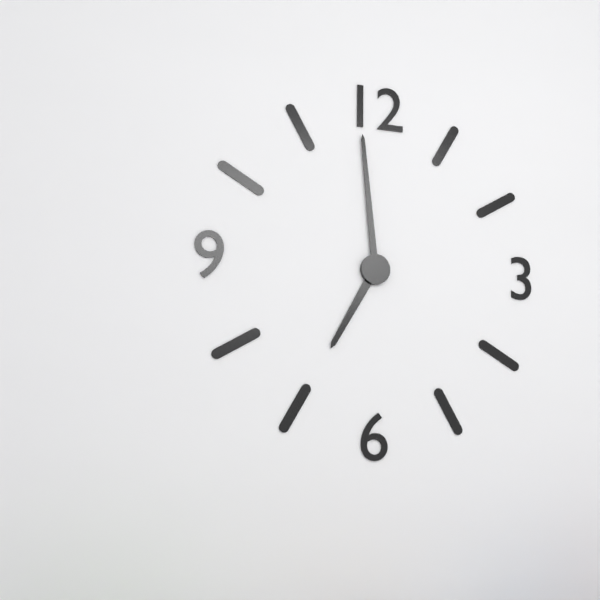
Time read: 6h59
